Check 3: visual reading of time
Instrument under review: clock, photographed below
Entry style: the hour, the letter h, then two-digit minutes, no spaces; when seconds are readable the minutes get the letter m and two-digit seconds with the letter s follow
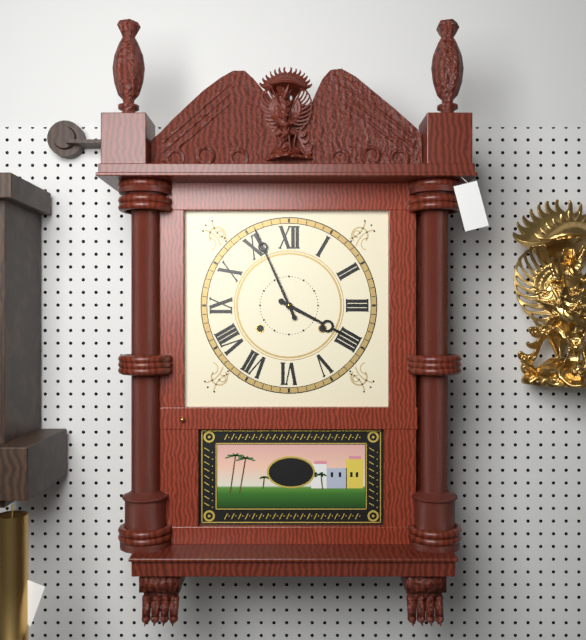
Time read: 3h56
